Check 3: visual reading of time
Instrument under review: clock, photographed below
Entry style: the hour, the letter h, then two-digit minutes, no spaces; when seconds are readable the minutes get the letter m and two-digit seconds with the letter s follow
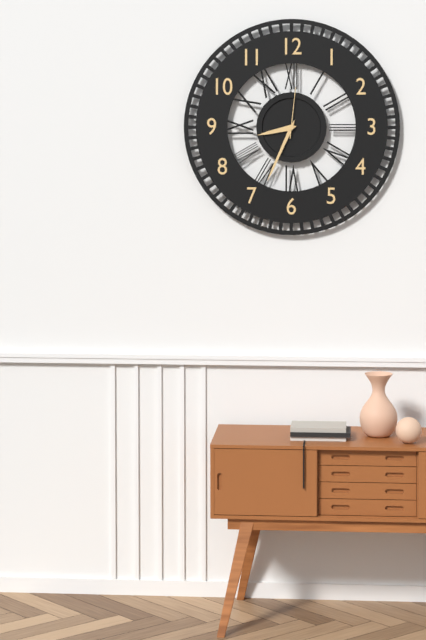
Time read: 8h34m01s
